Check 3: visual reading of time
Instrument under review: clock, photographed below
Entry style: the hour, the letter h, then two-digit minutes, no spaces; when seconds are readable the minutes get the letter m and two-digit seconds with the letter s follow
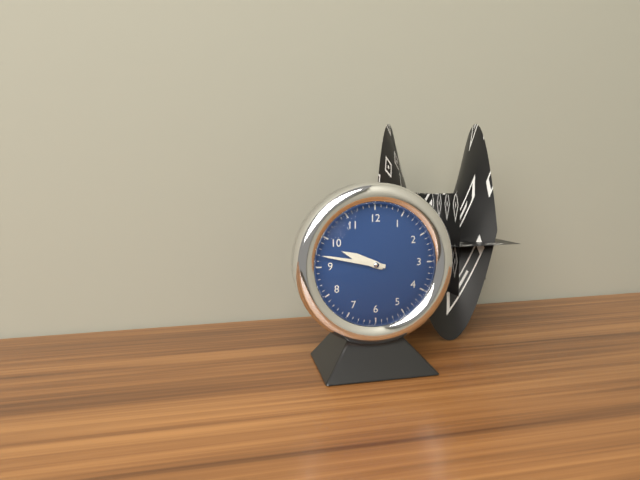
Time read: 9h47
